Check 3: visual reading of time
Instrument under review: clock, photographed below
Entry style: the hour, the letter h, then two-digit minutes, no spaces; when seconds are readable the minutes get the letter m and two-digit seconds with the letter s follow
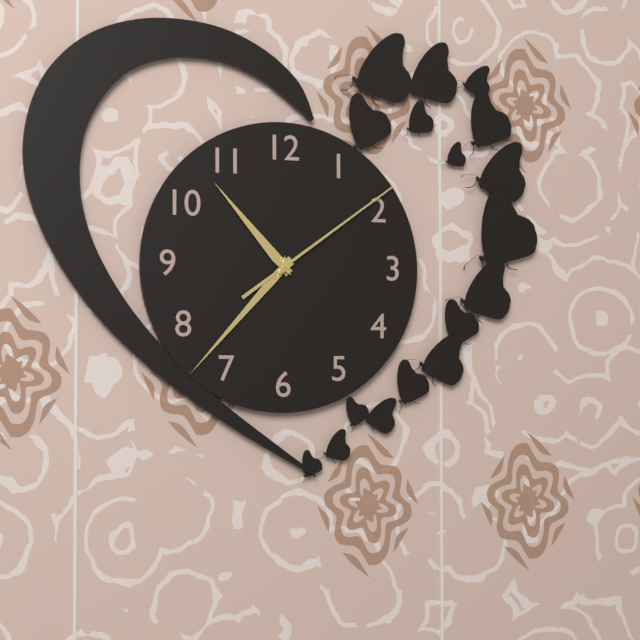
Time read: 10h37m09s
